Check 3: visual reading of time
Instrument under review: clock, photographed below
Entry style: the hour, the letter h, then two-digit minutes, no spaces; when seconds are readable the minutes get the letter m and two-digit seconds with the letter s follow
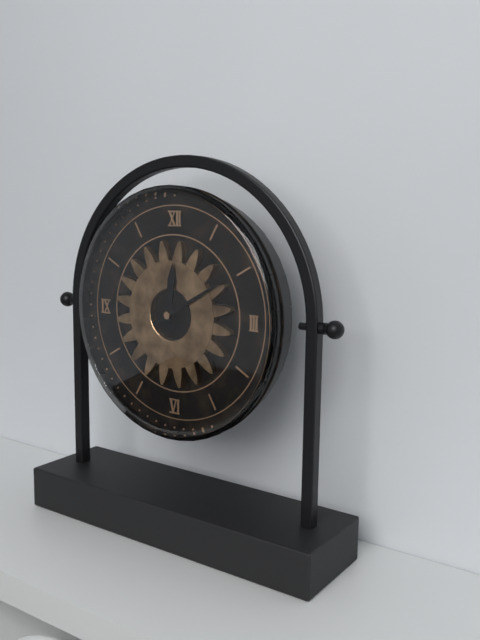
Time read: 12h10
